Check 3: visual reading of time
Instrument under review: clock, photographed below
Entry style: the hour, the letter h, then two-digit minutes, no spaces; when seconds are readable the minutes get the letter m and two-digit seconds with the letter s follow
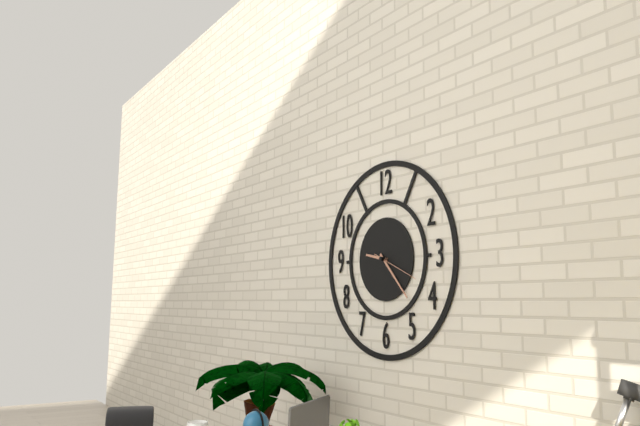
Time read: 9h23
